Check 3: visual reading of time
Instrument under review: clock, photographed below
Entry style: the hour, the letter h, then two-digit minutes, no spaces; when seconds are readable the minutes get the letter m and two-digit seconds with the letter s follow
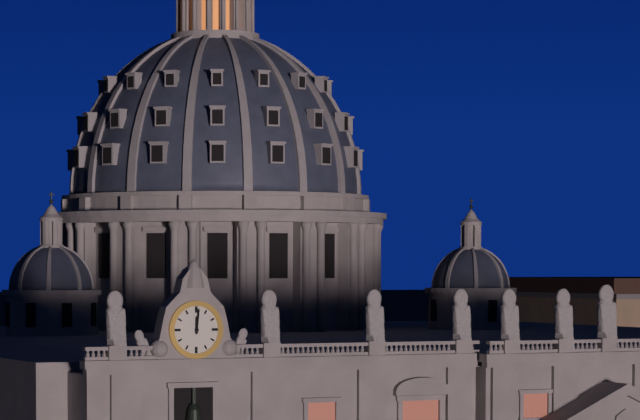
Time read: 12h01
